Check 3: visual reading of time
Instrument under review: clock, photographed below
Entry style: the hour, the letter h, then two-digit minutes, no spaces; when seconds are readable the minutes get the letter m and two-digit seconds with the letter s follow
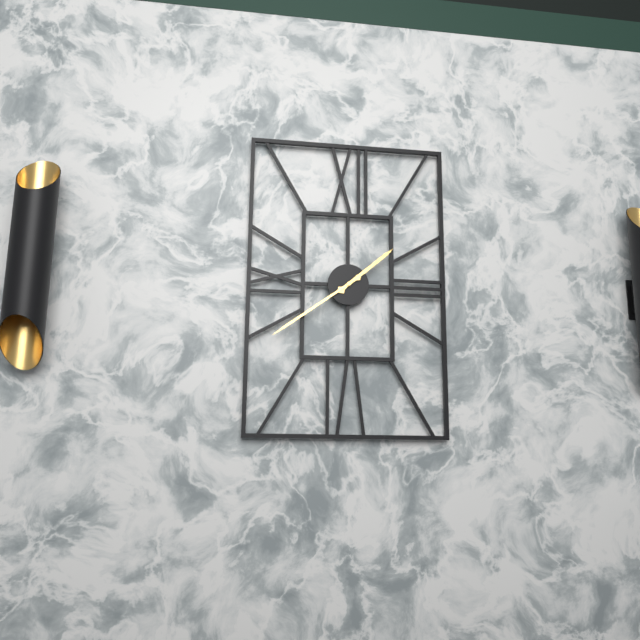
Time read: 1h39
